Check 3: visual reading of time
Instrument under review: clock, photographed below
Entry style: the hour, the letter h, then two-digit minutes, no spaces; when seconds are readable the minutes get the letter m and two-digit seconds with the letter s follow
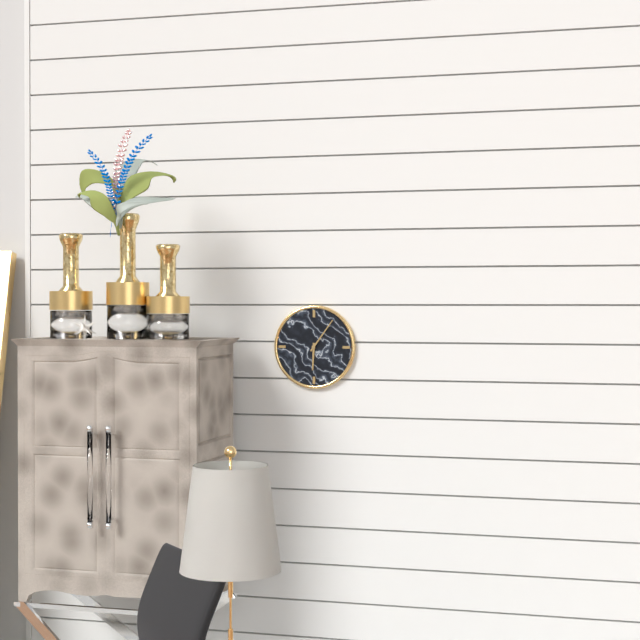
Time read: 6h06
